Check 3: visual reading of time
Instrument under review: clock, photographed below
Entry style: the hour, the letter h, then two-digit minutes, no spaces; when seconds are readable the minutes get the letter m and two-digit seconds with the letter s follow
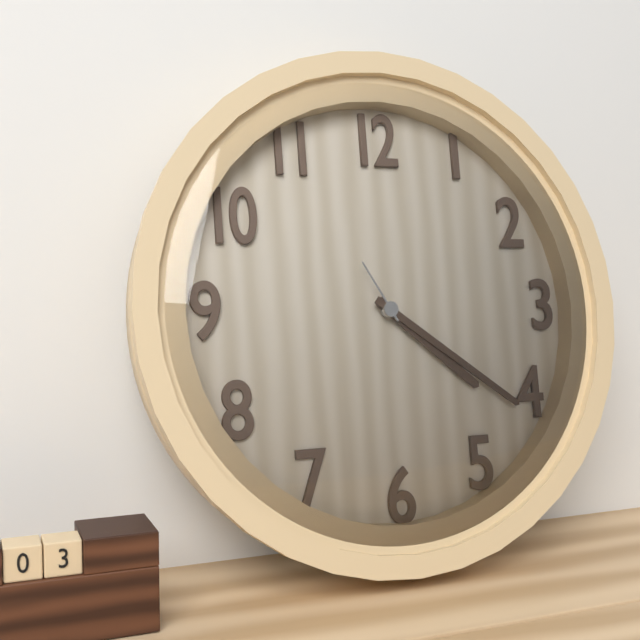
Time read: 4h21m55s
